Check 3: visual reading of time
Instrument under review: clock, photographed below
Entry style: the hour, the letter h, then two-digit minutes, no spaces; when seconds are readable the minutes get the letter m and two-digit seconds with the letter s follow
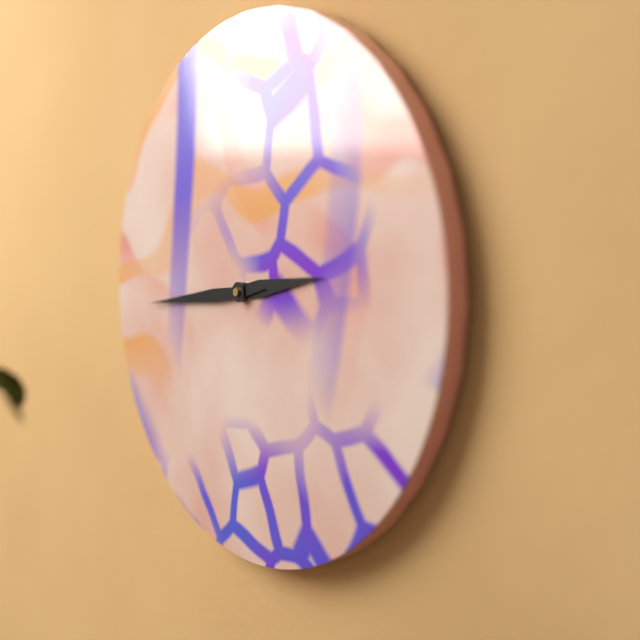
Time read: 2h44
